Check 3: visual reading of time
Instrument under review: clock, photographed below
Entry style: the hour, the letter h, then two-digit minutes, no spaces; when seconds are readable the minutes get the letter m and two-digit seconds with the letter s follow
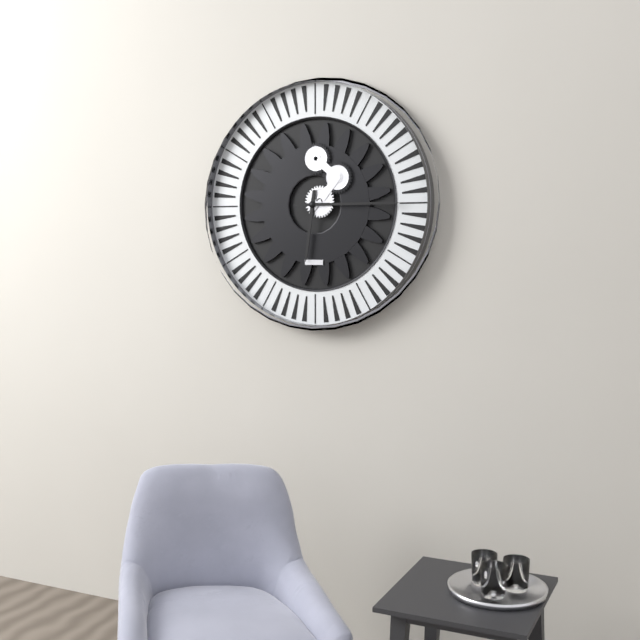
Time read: 6h15
